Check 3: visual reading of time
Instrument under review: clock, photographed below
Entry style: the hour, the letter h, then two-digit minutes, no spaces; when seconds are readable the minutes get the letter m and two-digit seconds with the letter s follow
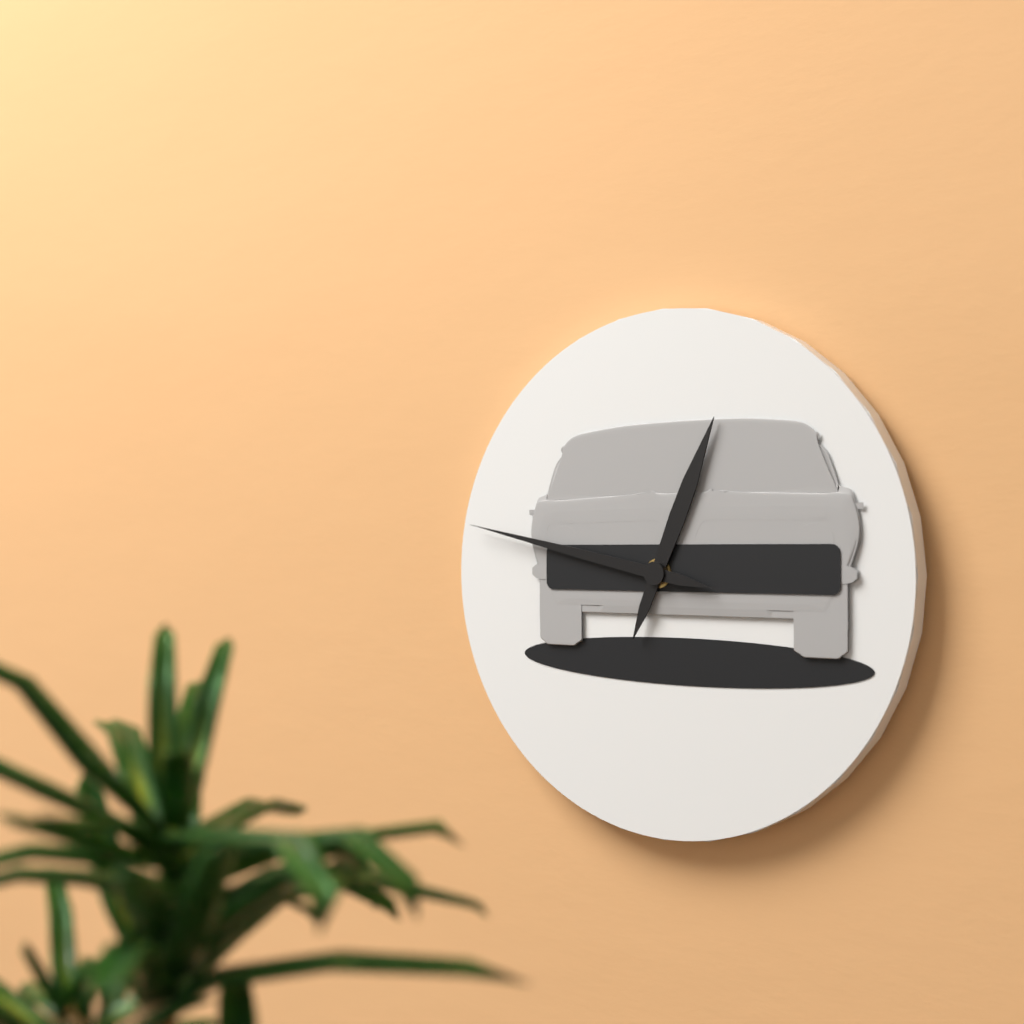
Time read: 12h47
